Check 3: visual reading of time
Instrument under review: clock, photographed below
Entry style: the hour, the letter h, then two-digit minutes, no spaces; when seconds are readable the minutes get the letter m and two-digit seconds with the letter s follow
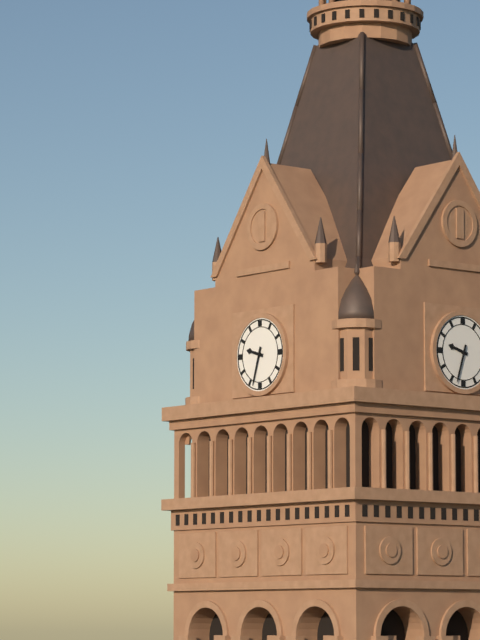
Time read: 9h33
